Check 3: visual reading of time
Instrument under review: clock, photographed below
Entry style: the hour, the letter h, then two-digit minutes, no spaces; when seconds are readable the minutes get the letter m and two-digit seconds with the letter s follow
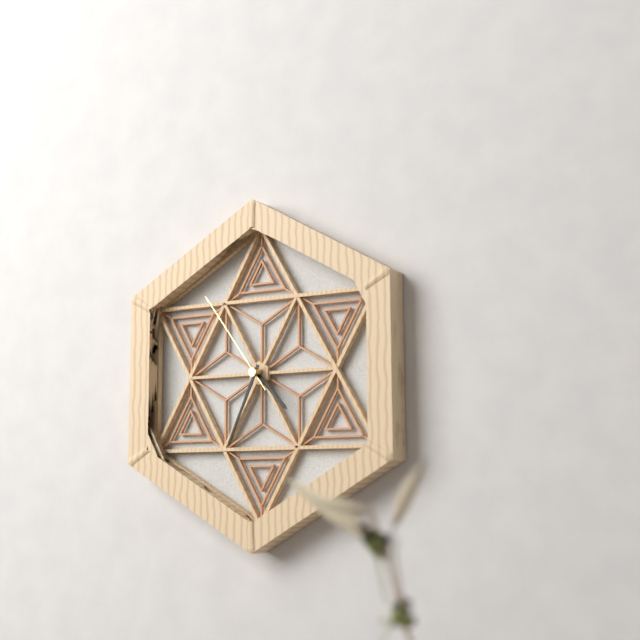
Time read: 4h34m54s
